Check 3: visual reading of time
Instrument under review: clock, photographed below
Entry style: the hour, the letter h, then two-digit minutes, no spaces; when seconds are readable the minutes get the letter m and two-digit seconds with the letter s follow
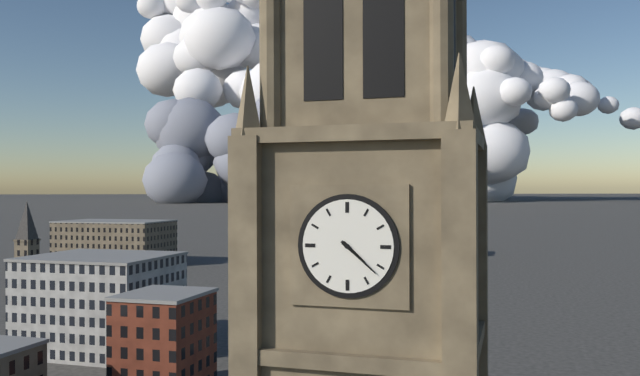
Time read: 4h22
